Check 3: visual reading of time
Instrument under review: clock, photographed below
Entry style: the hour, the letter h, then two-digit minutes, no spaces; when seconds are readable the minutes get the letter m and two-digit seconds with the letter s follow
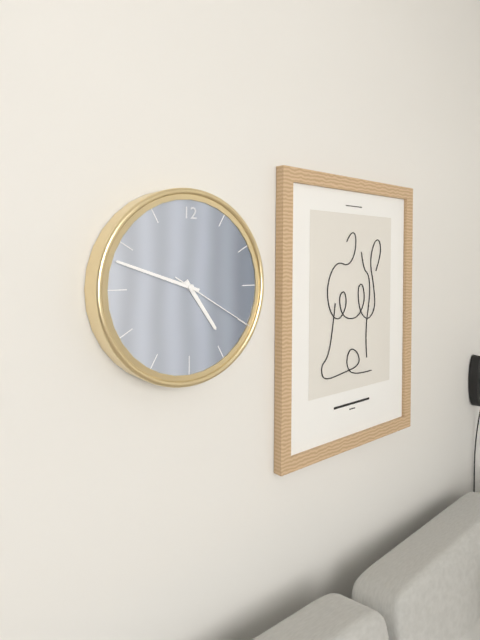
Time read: 4h48m20s
